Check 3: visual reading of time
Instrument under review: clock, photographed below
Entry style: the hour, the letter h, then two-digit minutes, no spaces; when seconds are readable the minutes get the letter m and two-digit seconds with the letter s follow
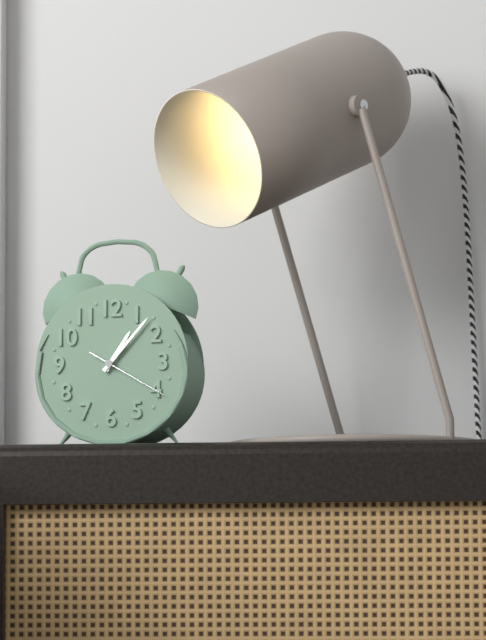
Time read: 1h07m20s
